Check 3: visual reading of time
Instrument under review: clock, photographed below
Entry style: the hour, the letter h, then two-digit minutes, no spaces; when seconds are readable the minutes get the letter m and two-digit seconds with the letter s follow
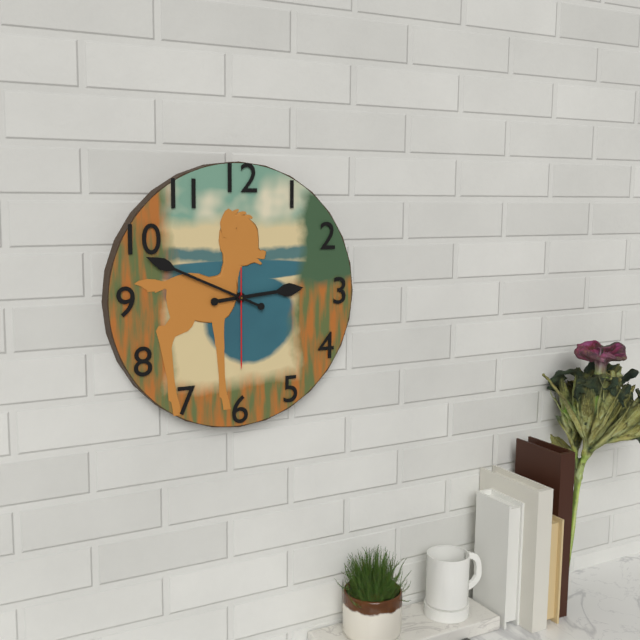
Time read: 2h49m30s
